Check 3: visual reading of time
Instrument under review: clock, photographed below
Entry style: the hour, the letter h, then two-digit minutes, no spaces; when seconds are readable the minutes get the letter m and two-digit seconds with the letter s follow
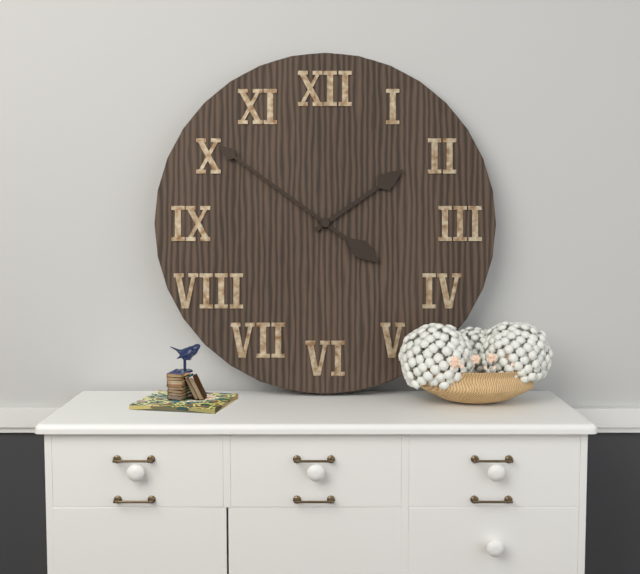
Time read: 1h51
